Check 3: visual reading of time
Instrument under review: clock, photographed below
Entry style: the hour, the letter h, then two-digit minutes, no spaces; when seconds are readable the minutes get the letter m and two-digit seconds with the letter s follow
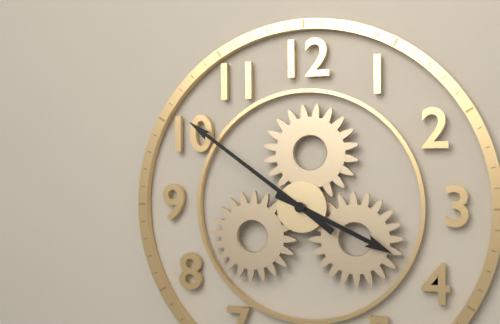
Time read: 3h51
